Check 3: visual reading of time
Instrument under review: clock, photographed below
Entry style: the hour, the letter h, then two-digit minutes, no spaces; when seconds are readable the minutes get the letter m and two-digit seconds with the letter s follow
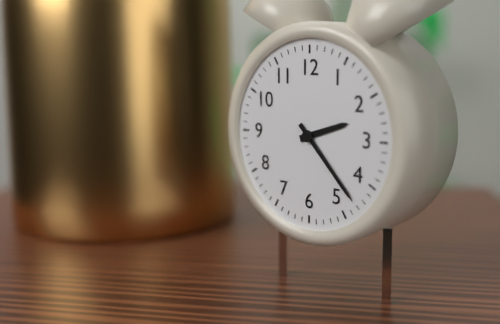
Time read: 2h23
